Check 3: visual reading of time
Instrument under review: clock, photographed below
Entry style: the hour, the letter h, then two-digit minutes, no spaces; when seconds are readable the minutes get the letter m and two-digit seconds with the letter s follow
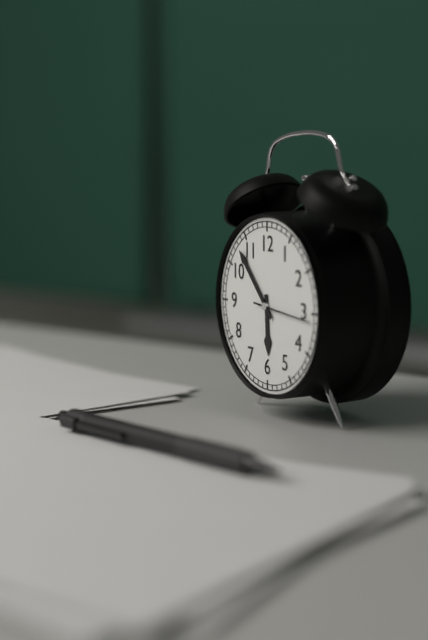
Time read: 5h53
